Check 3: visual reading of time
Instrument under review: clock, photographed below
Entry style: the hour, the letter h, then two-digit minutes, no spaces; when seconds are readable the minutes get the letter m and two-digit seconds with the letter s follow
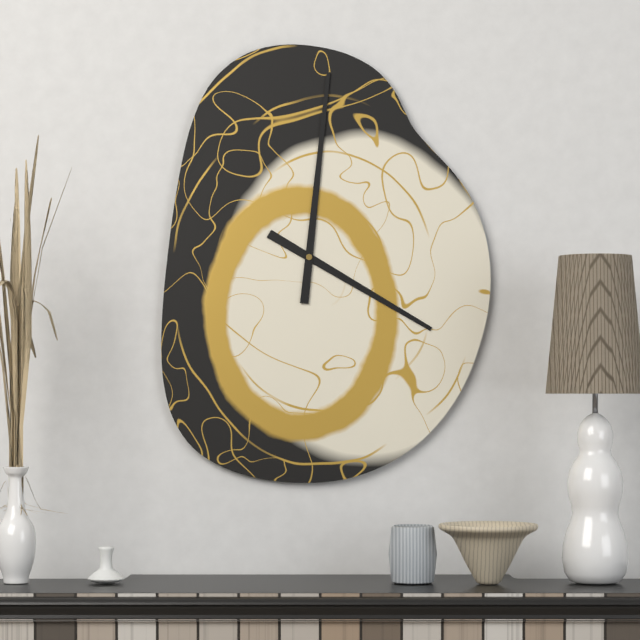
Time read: 4h01
